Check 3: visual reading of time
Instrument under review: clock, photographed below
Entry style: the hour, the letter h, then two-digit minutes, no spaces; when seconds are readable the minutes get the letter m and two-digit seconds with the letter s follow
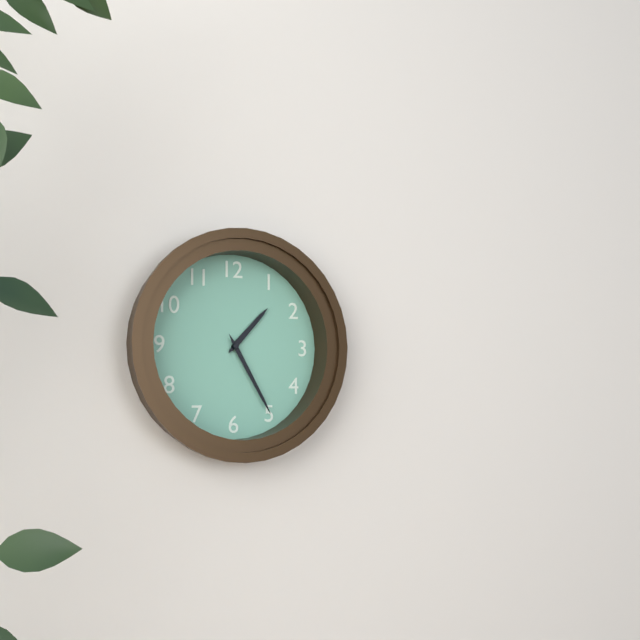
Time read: 1h25
